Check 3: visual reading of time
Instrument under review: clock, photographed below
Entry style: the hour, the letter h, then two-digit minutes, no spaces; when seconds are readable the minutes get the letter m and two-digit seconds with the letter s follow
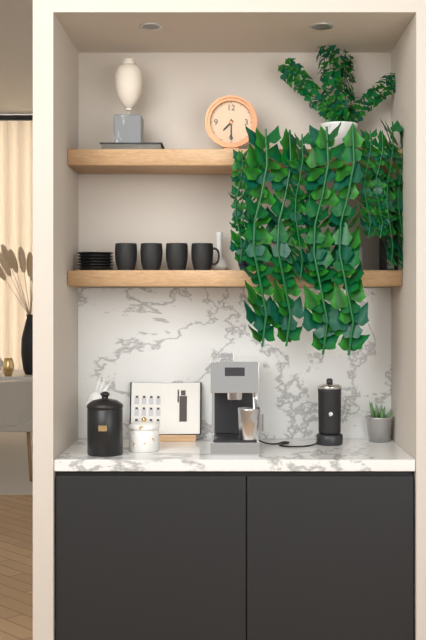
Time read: 7h30
